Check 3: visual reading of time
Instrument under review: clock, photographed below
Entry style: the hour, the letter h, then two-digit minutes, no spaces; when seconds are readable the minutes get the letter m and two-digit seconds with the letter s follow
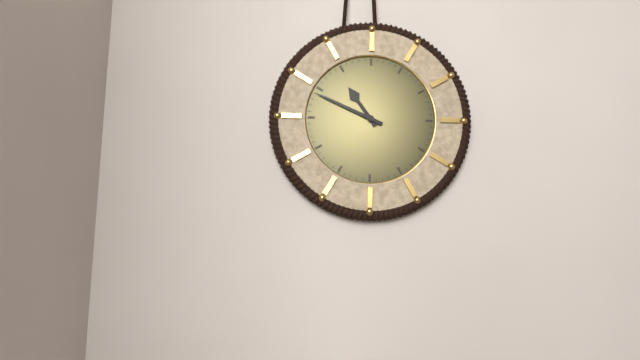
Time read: 10h49
